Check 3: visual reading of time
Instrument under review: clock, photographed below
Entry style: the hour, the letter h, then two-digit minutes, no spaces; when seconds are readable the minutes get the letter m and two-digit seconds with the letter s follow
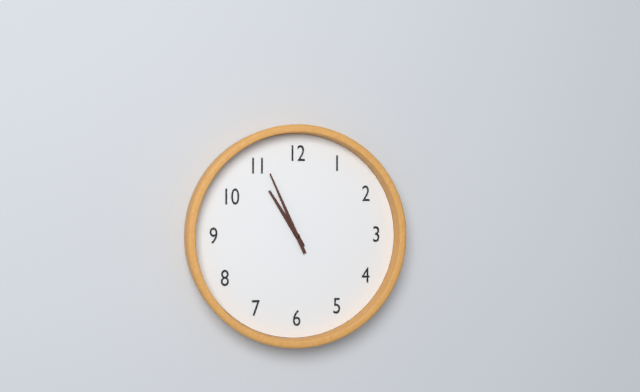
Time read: 10h56
